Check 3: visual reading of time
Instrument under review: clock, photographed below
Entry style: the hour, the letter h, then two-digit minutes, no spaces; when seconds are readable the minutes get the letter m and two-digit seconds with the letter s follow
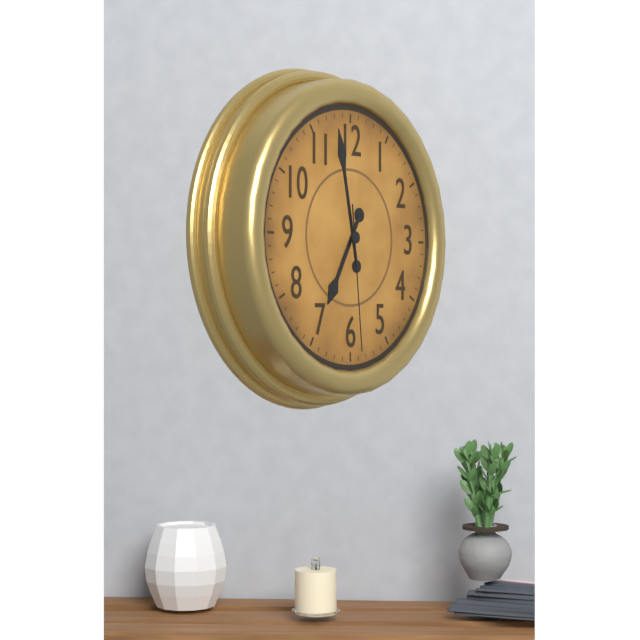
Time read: 6h58m29s
